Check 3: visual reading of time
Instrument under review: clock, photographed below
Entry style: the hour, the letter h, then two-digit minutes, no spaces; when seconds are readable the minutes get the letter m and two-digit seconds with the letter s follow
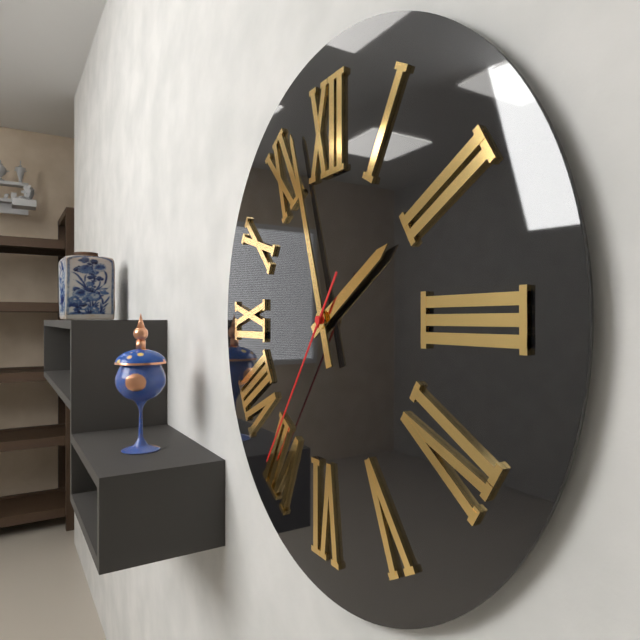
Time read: 1h57m36s
